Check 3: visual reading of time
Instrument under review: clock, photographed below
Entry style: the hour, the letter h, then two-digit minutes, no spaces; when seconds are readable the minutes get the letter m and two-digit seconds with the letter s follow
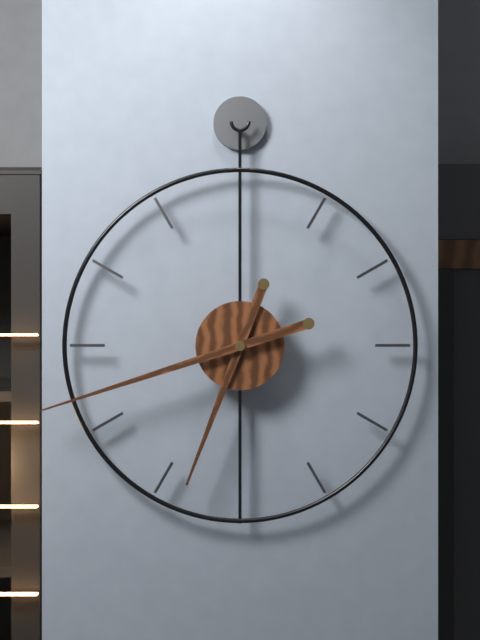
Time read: 6h42
